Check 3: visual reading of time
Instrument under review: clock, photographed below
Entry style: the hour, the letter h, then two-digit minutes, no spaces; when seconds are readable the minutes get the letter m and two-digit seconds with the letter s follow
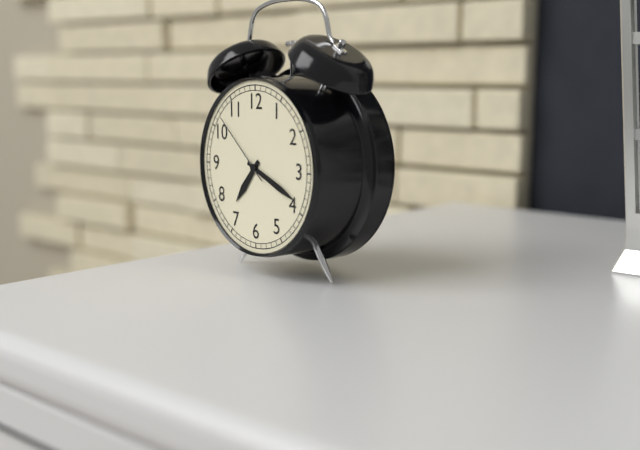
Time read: 7h19m52s
